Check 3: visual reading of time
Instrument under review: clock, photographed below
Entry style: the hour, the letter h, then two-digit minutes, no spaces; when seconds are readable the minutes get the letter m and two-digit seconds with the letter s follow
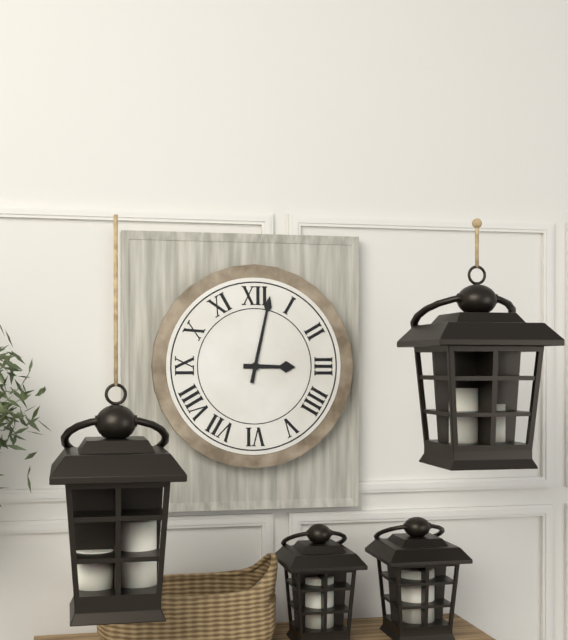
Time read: 3h02
